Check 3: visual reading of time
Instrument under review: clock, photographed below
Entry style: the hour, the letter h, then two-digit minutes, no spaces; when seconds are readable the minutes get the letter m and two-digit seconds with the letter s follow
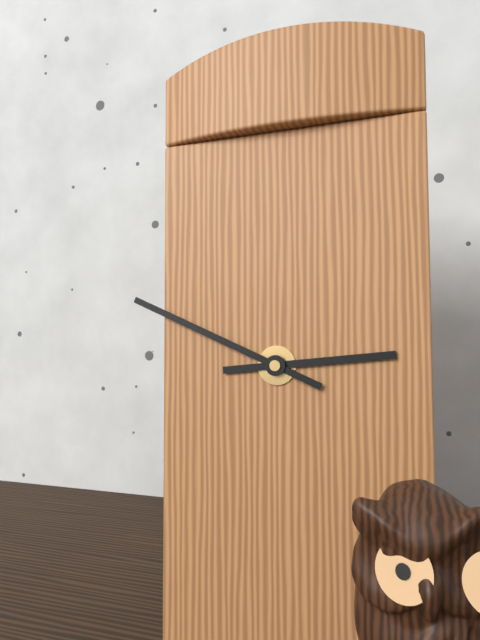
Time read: 2h49
